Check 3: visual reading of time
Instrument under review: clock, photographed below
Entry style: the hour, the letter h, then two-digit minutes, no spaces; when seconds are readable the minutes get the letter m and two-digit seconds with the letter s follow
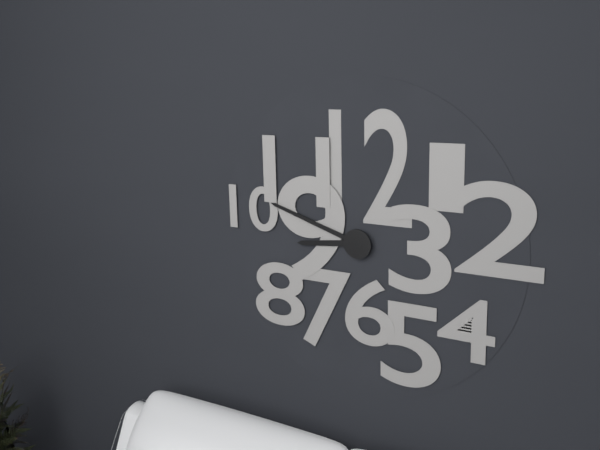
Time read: 8h48
